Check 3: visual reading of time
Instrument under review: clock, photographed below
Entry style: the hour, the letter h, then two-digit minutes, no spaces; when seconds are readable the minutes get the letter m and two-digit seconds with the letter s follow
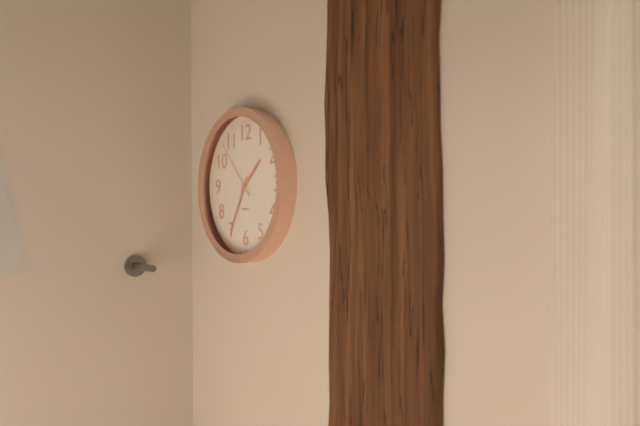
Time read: 1h35m53s
